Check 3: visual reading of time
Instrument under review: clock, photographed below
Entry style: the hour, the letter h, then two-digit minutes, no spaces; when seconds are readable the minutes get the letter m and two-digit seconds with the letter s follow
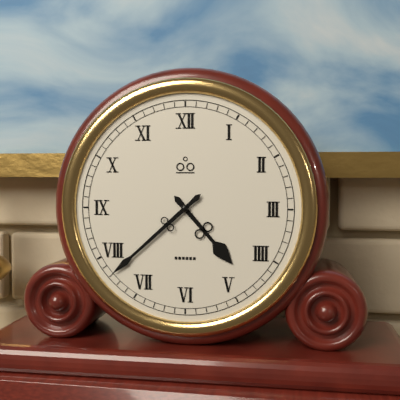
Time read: 4h38
